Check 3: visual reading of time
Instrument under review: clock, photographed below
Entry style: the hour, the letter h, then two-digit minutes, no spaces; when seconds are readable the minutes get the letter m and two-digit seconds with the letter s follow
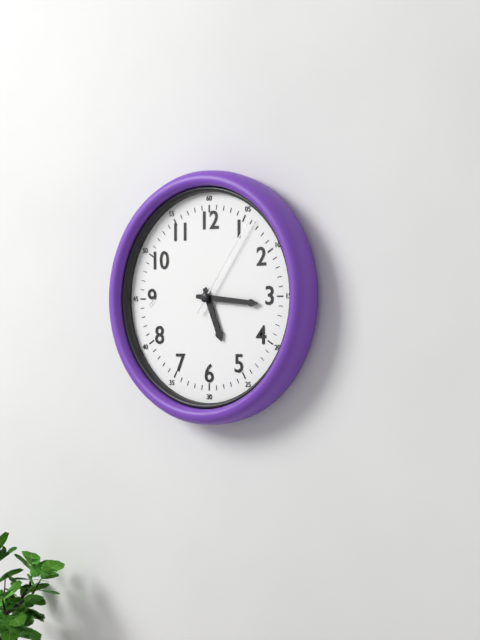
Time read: 5h16m06s
